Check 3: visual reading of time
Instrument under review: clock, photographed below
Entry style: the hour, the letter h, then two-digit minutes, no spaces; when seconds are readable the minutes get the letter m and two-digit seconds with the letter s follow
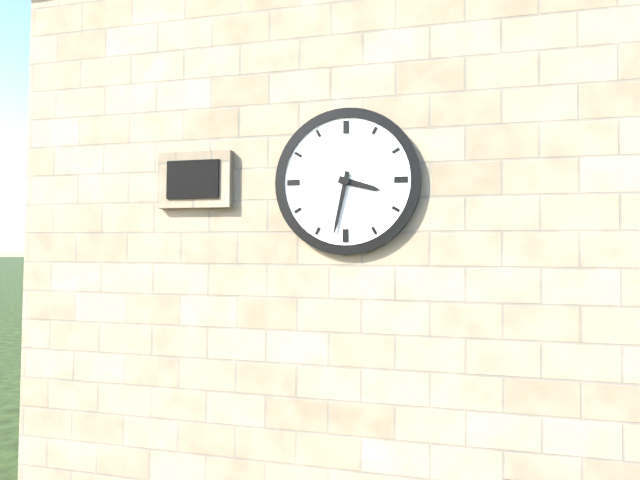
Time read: 3h32
